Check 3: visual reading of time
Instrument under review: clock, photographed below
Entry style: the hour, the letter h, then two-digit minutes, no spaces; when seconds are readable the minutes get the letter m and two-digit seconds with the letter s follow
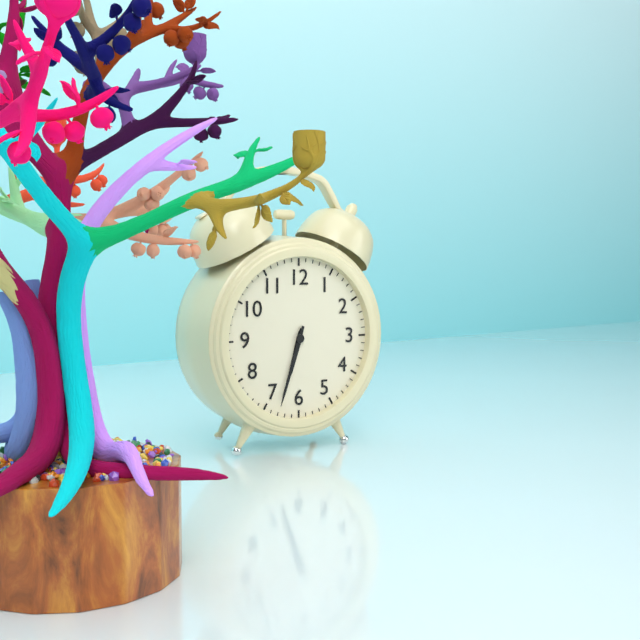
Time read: 6h33
